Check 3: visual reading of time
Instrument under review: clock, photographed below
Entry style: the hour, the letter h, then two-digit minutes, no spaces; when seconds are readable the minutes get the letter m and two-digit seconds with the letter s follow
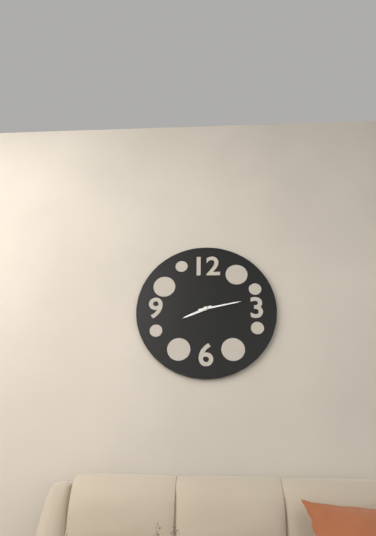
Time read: 8h13
